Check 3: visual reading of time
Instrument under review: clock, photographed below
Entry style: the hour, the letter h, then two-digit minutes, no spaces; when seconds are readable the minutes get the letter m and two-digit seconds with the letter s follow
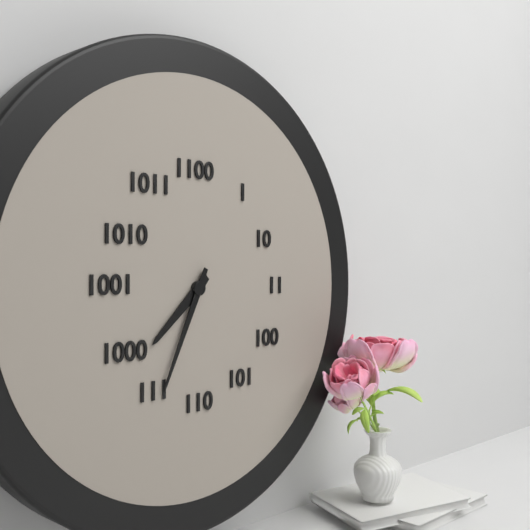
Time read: 7h34
